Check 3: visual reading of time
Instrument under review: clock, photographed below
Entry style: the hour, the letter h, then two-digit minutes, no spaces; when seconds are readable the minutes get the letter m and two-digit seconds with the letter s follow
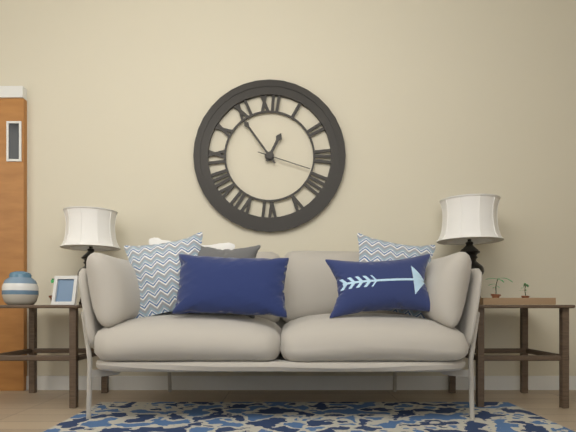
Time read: 12h54m18s
